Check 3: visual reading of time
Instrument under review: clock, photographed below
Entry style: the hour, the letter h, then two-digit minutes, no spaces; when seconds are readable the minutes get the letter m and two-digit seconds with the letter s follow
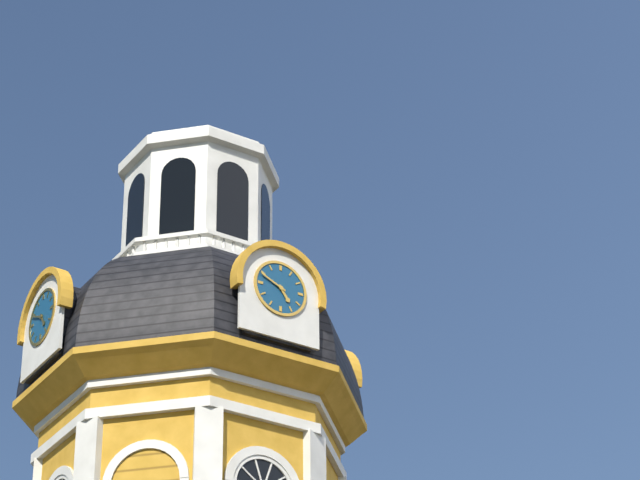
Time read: 4h49
